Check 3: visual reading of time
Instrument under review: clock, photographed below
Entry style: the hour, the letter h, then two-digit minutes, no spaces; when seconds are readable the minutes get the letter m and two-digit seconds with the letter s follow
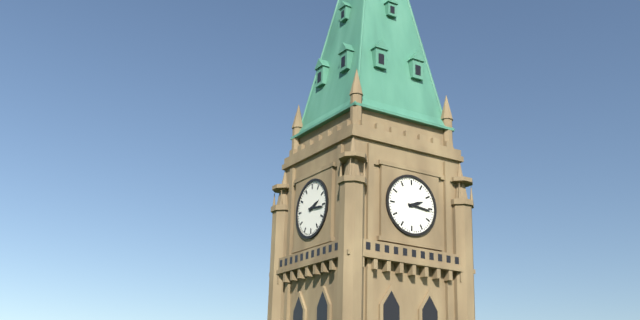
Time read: 2h16
